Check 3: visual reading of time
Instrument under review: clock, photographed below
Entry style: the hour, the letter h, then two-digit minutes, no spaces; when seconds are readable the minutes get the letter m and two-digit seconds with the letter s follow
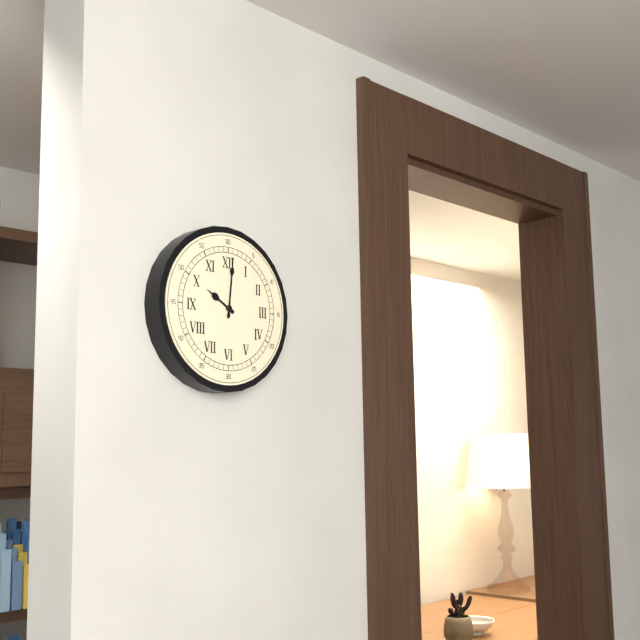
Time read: 10h01
